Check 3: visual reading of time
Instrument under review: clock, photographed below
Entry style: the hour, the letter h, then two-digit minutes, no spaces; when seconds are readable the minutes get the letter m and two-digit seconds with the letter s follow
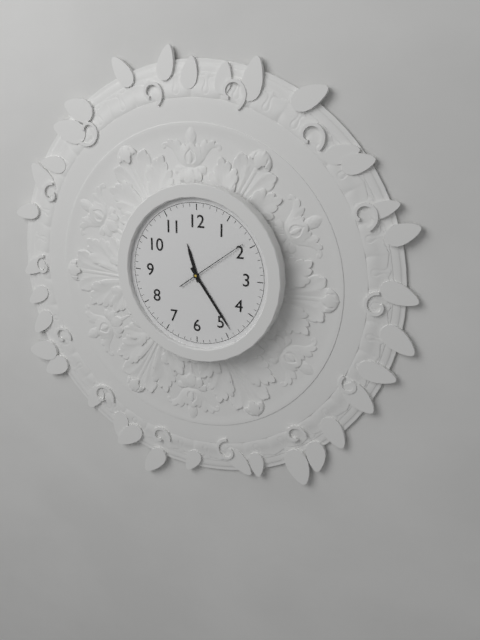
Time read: 11h24m09s
